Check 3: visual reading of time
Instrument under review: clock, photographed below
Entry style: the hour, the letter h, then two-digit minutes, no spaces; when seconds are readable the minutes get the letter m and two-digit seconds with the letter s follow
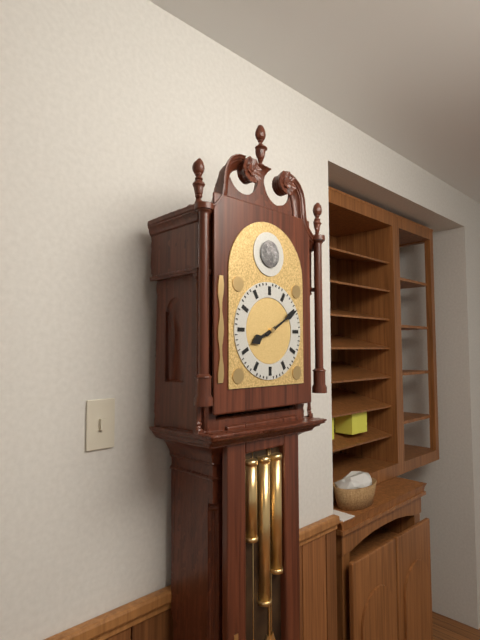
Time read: 8h10
